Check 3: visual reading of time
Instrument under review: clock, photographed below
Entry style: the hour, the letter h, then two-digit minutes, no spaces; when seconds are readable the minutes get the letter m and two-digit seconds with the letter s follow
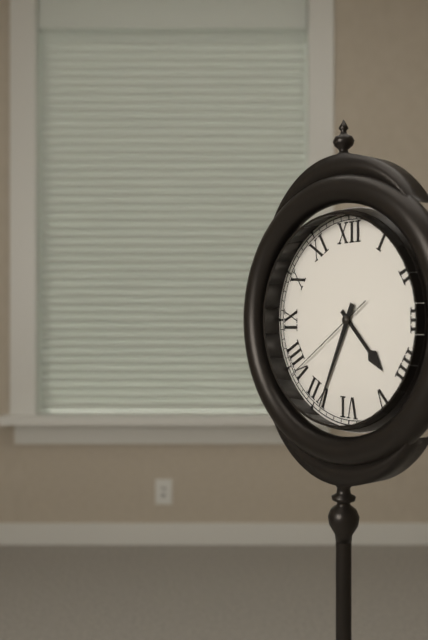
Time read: 4h34m39s
